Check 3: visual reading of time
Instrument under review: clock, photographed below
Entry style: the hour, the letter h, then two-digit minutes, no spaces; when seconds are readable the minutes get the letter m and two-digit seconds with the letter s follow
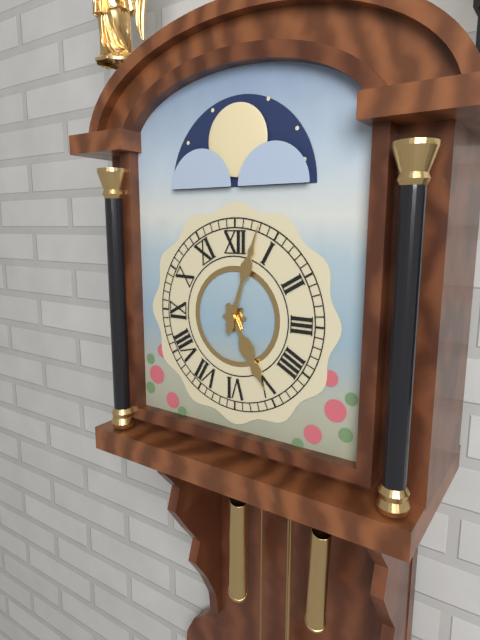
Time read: 5h03
